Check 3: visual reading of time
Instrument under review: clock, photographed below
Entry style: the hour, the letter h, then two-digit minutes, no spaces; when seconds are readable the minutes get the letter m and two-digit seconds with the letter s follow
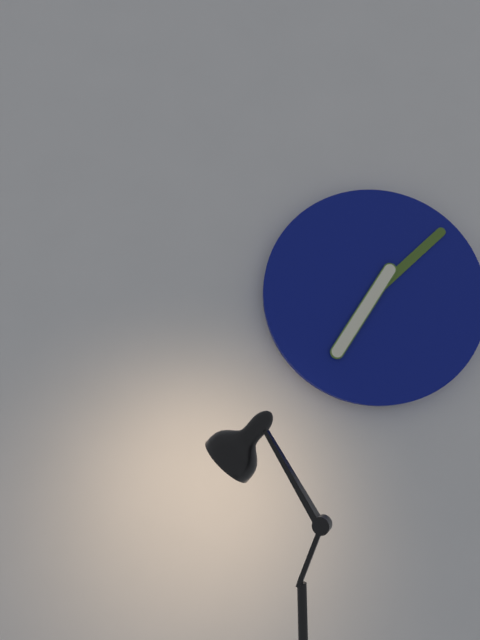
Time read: 7h08
